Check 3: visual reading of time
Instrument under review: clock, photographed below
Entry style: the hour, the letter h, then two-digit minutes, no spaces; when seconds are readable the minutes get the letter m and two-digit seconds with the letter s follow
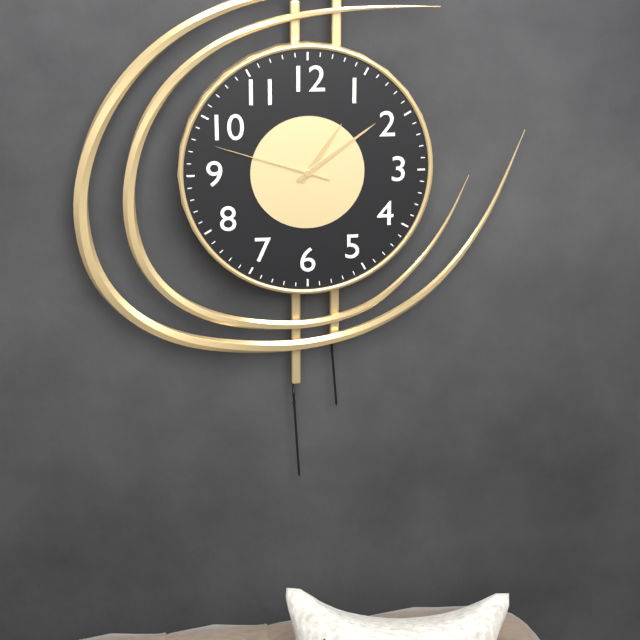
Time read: 1h09m48s
